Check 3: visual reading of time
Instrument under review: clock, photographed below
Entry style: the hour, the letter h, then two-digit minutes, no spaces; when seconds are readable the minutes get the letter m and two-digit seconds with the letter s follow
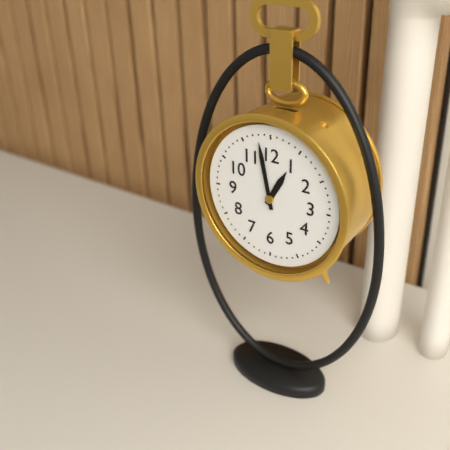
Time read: 12h58
